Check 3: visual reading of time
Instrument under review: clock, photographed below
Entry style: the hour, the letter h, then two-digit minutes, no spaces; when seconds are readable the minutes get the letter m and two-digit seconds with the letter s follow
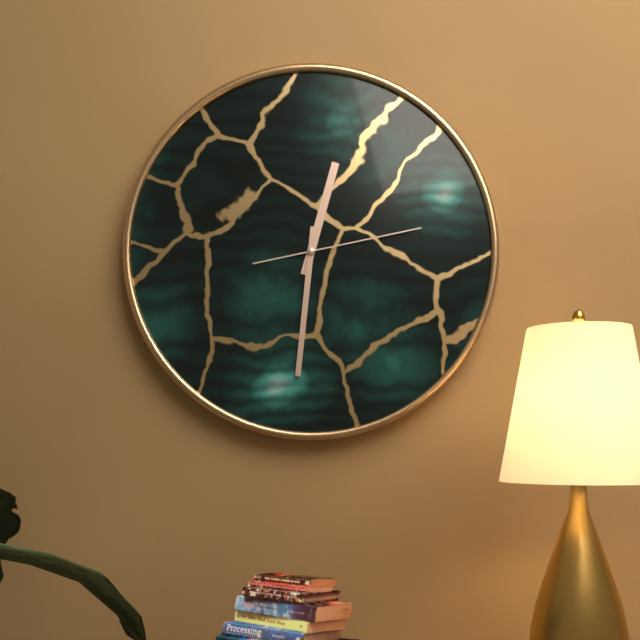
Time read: 12h31m13s
